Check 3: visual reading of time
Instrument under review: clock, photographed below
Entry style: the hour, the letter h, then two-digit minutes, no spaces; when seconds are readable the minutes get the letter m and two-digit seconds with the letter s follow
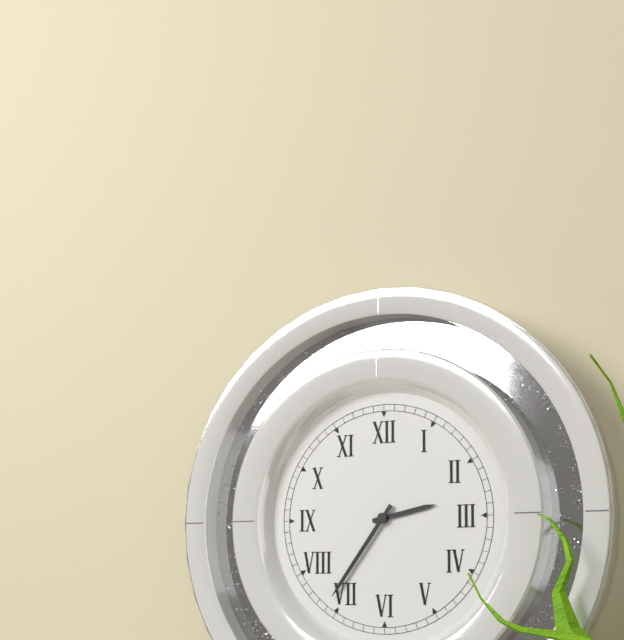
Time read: 2h36
